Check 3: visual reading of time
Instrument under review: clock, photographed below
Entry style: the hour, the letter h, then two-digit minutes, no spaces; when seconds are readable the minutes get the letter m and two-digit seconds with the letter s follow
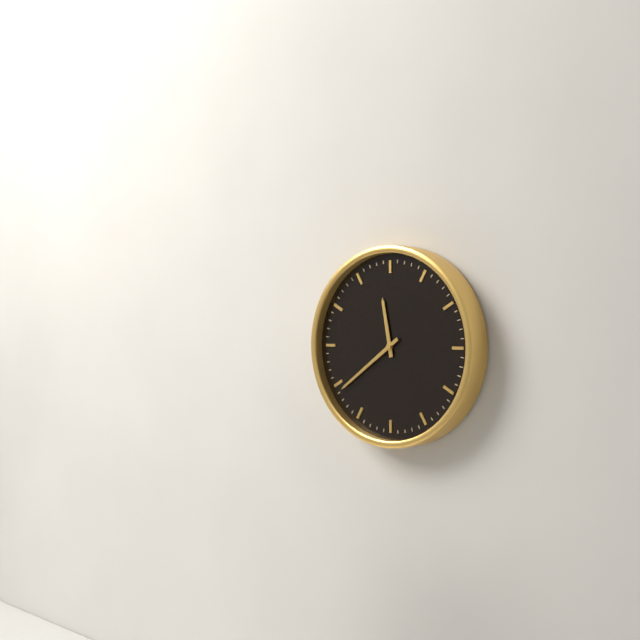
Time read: 11h39
